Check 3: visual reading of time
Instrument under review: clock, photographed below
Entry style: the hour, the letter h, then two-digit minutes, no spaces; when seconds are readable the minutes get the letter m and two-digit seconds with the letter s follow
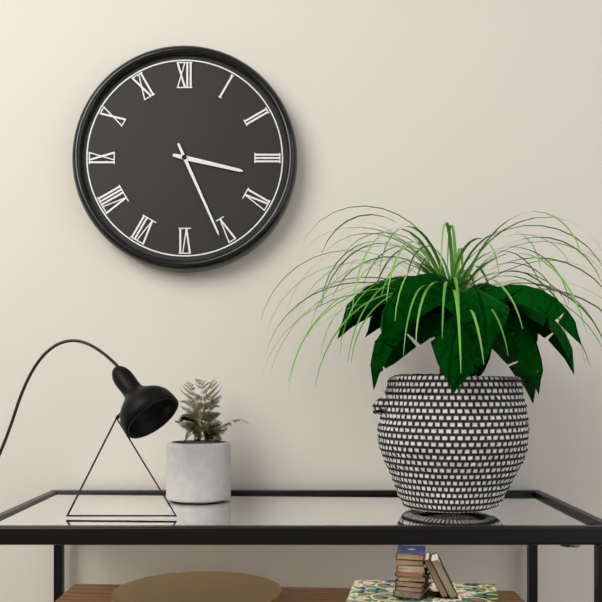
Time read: 3h26
